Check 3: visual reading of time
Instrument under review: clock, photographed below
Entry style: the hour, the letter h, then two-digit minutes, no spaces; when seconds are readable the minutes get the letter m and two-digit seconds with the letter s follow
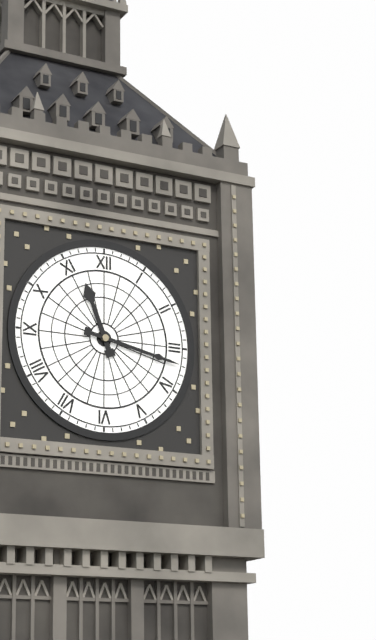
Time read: 11h17
